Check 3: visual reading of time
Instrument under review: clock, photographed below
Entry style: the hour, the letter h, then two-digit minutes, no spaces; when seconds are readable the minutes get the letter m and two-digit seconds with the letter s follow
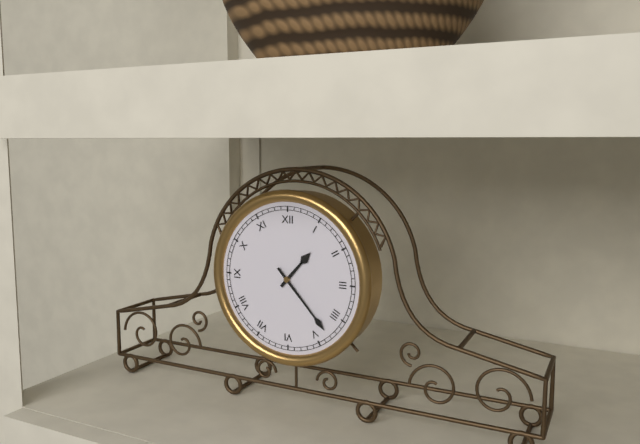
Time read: 1h23
